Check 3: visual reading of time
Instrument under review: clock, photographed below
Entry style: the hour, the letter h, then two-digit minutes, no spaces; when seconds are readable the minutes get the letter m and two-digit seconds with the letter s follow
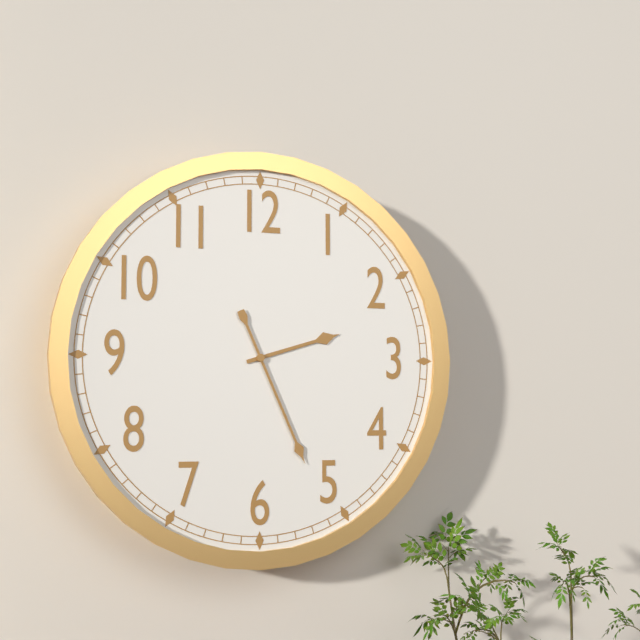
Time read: 2h26
